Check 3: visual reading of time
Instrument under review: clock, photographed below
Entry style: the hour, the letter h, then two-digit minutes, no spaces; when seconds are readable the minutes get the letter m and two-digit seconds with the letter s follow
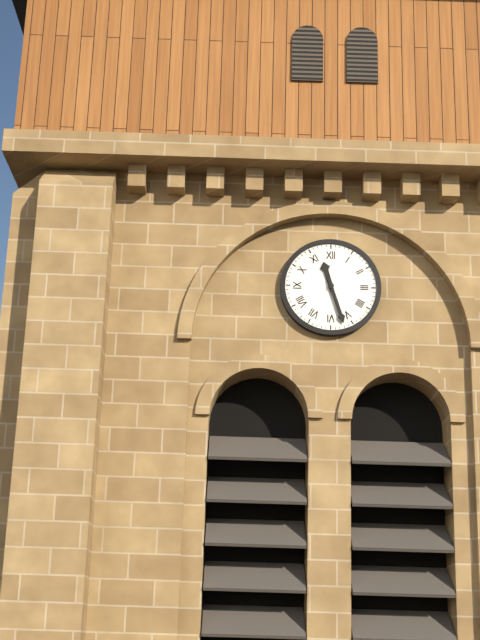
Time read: 11h27
